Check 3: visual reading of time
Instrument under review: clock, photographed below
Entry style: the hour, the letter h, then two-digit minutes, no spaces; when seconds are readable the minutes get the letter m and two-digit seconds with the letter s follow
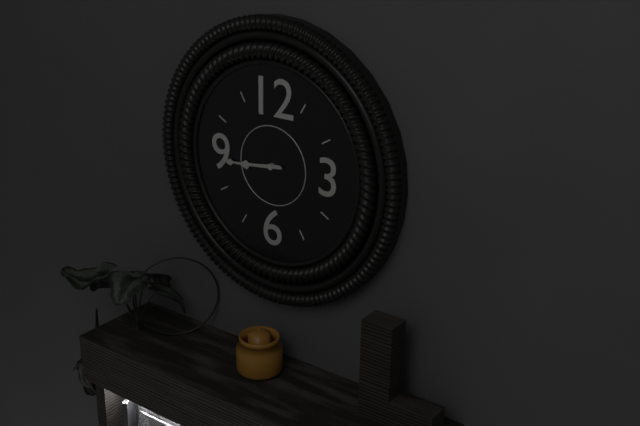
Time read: 8h44
